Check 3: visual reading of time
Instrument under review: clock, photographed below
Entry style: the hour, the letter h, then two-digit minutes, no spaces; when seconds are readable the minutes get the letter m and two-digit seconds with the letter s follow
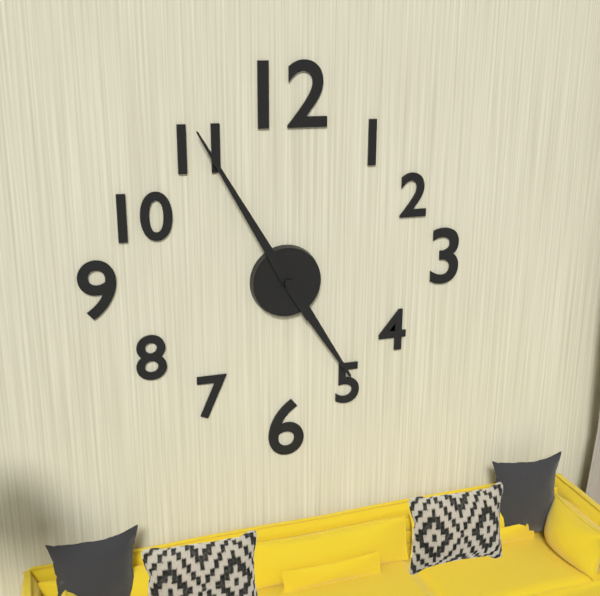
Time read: 4h55
